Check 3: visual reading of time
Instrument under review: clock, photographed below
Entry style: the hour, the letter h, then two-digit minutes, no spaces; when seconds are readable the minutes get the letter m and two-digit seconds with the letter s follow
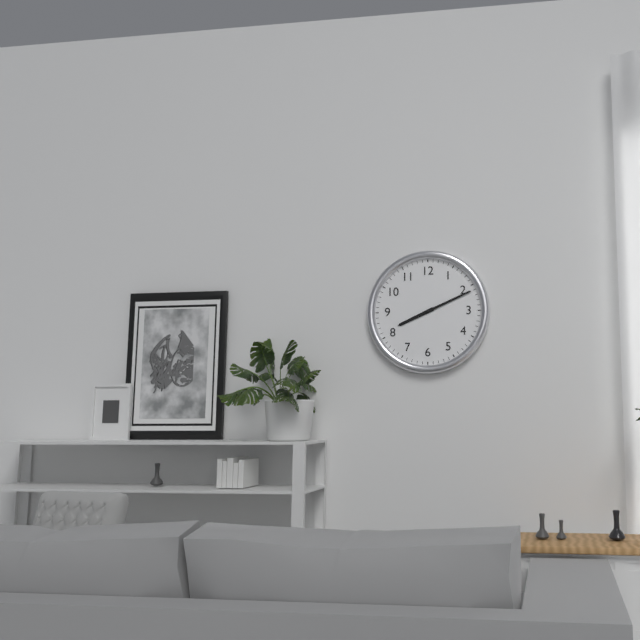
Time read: 8h11
